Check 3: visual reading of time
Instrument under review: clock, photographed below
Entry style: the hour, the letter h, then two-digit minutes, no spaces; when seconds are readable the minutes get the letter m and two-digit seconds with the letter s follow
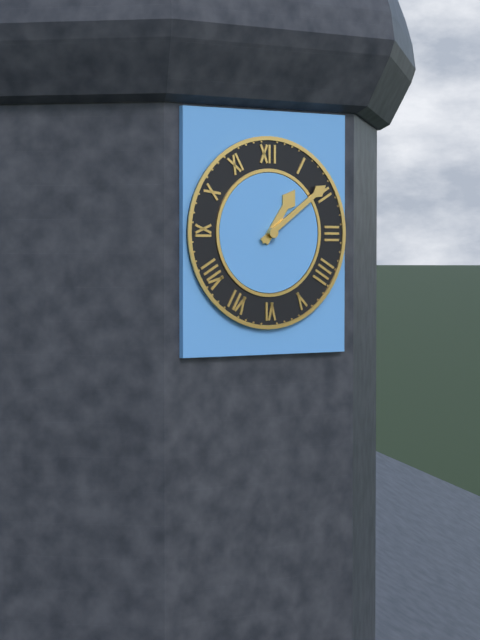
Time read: 1h09
